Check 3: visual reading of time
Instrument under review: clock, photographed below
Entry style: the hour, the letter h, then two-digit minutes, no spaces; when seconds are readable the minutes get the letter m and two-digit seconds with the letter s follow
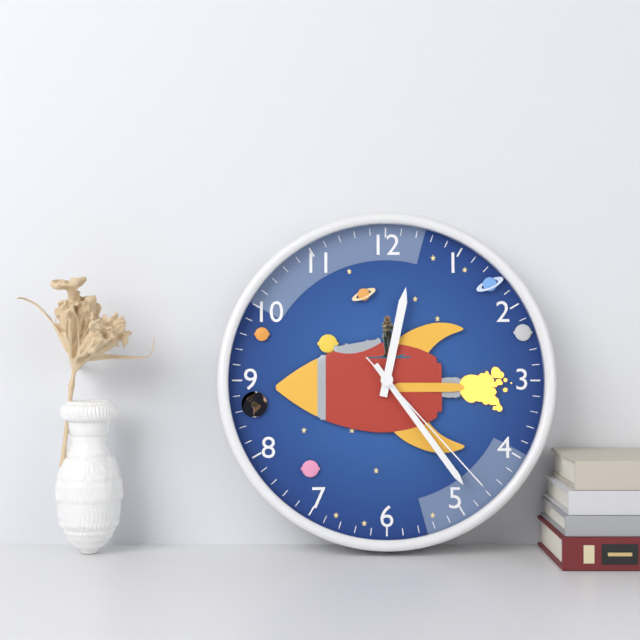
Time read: 12h24m23s
